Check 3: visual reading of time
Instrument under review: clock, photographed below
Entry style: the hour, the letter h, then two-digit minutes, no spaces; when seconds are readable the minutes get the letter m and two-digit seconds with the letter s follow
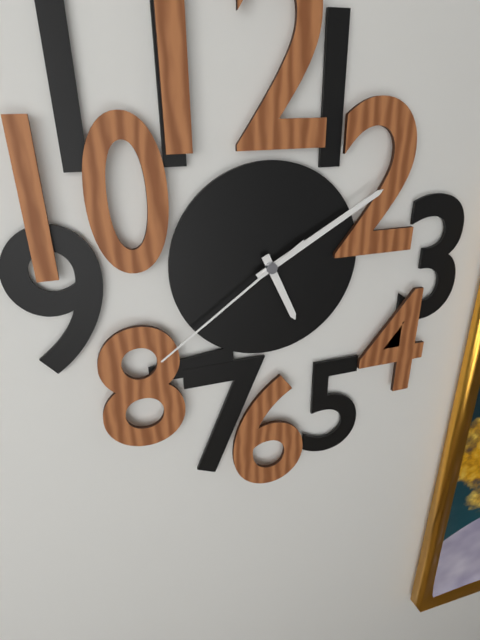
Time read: 5h10m39s
